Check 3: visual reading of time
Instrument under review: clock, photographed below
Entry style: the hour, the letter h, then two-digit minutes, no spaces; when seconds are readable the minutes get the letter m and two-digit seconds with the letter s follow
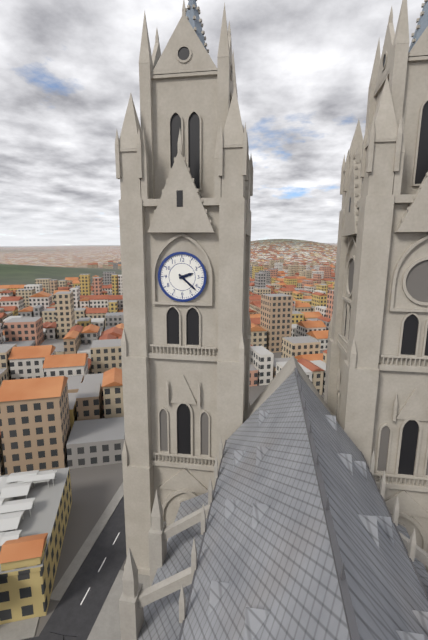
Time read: 2h22
